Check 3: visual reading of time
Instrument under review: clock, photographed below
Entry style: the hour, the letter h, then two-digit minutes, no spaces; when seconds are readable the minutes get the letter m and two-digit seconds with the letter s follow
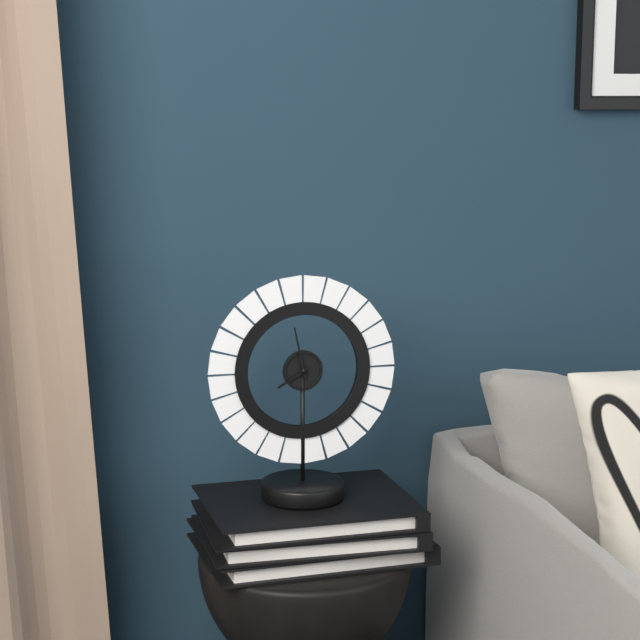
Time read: 7h58
